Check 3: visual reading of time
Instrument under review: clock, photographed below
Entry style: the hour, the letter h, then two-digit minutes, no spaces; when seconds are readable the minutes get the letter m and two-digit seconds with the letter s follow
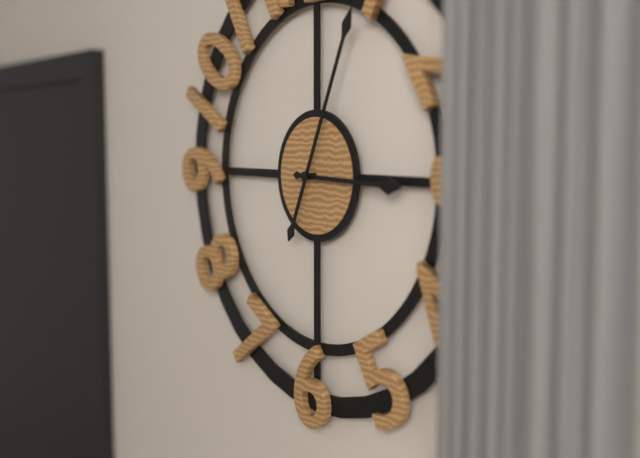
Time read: 3h04
